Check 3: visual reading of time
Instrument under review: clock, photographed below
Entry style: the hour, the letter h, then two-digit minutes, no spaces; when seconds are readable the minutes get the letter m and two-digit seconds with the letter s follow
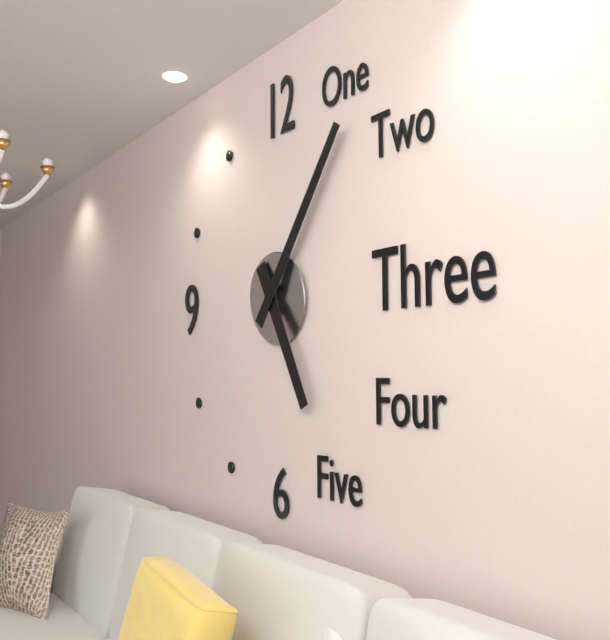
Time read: 5h06
